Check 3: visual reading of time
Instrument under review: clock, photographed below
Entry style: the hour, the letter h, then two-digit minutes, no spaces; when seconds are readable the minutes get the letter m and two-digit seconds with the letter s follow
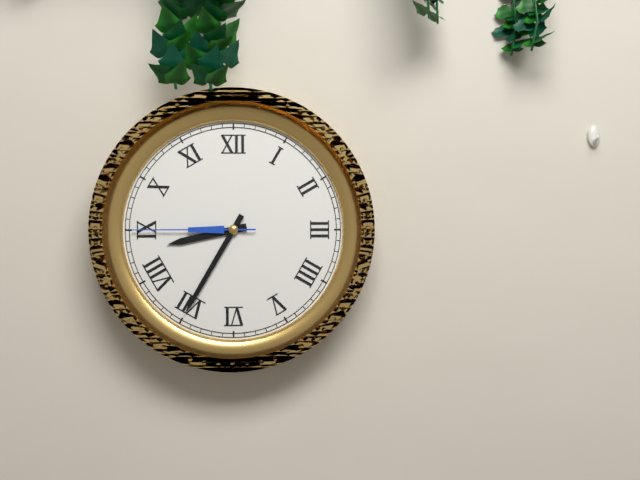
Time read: 8h35m45s
